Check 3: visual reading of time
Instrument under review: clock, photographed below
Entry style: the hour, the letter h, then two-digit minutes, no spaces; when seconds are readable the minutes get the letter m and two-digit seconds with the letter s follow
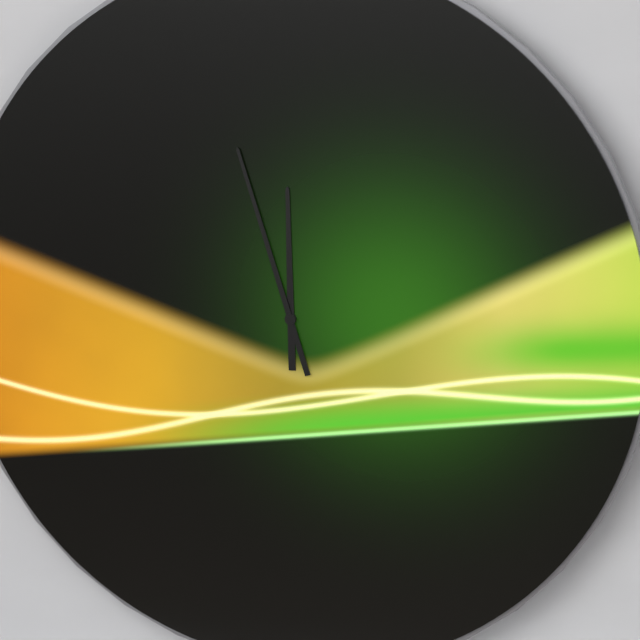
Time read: 11h57
